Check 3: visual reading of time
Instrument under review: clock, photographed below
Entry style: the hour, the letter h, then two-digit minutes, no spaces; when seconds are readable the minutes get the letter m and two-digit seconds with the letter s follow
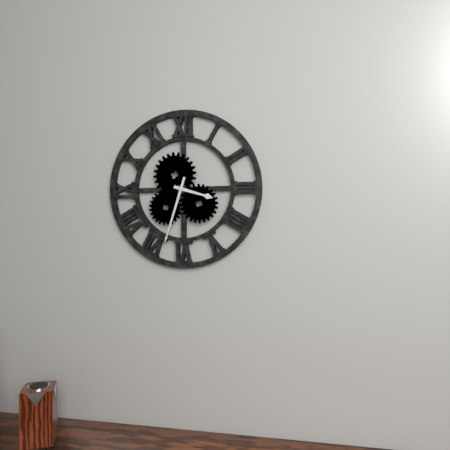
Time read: 3h33
